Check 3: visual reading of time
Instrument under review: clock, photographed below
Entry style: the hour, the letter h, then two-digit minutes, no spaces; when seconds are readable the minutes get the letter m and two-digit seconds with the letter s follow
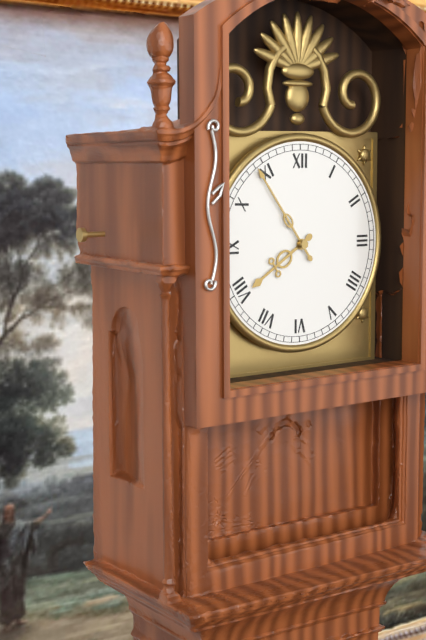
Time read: 7h54
